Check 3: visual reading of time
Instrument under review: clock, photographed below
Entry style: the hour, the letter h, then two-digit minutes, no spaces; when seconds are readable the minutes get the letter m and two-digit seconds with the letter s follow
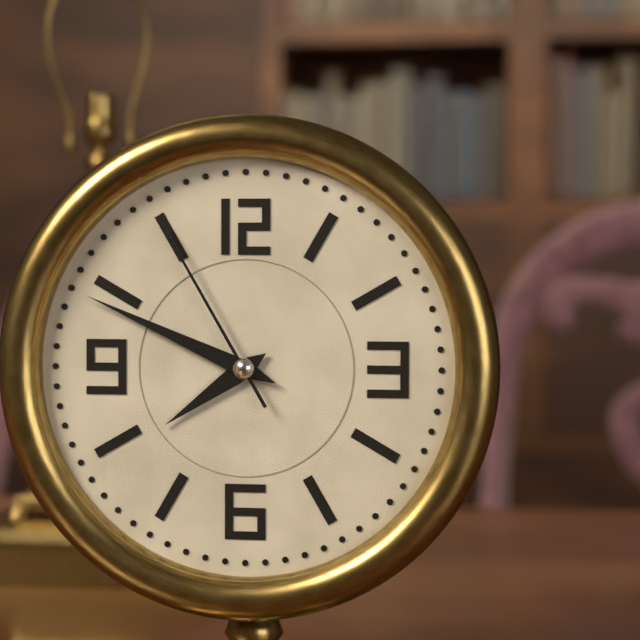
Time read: 7h49m55s
